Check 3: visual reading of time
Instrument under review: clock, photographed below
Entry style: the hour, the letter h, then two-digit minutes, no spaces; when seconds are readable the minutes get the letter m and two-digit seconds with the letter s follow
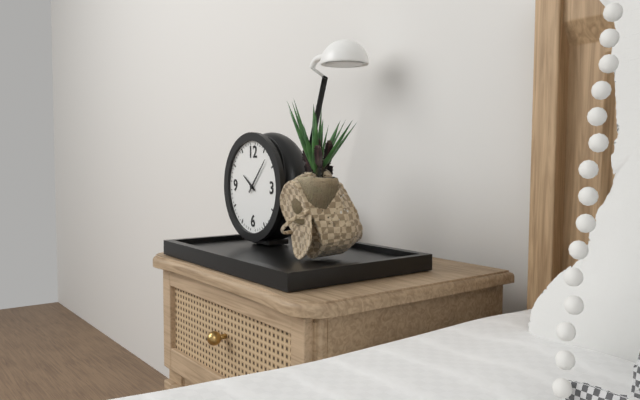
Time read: 10h07
